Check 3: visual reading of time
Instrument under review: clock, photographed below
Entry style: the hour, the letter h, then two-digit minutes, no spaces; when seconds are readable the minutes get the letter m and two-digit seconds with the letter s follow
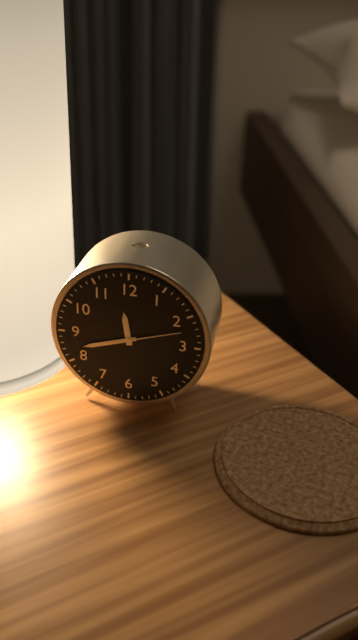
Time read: 11h42m12s
